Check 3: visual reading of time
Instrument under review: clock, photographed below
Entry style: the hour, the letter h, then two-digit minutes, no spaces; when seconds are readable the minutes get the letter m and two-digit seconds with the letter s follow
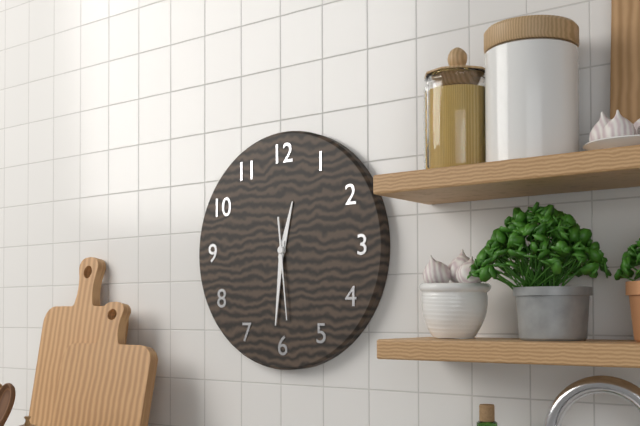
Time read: 12h31m29s
